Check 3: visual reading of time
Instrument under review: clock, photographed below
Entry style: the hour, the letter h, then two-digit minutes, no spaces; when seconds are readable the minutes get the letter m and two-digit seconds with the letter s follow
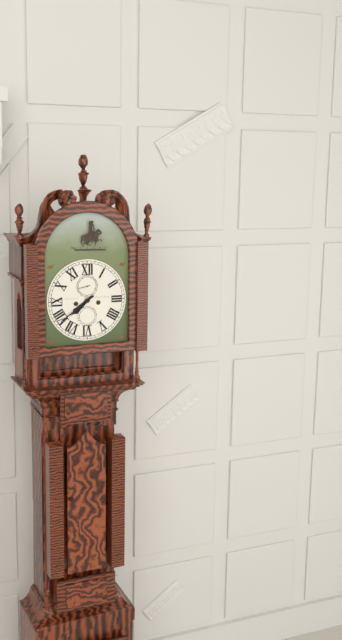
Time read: 7h39
